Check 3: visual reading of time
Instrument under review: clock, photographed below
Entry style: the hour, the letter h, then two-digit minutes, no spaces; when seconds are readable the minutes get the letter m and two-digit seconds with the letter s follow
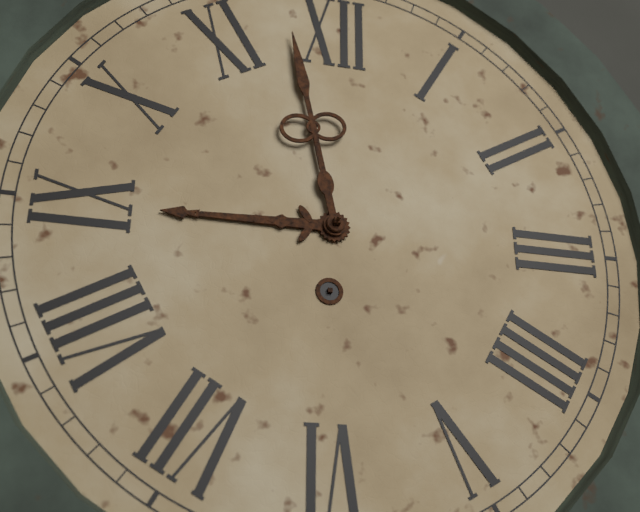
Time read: 8h58
